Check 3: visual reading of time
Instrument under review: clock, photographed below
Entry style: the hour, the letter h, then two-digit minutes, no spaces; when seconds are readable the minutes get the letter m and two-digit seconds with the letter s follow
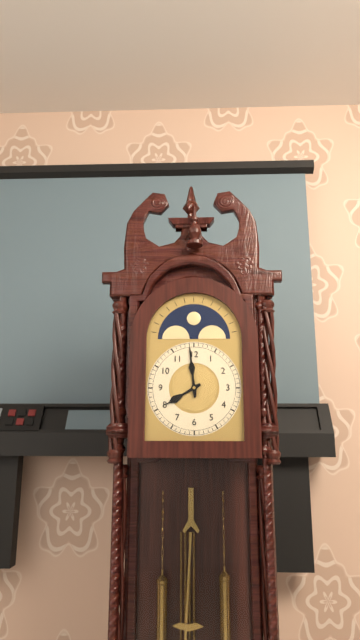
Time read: 7h59
